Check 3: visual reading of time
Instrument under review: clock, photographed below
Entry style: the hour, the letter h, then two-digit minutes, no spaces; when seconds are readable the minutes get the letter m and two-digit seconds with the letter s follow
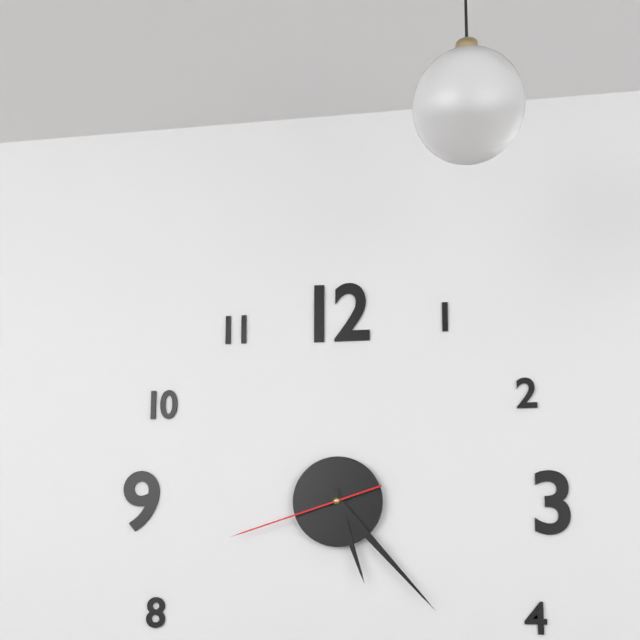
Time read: 5h23m42s
